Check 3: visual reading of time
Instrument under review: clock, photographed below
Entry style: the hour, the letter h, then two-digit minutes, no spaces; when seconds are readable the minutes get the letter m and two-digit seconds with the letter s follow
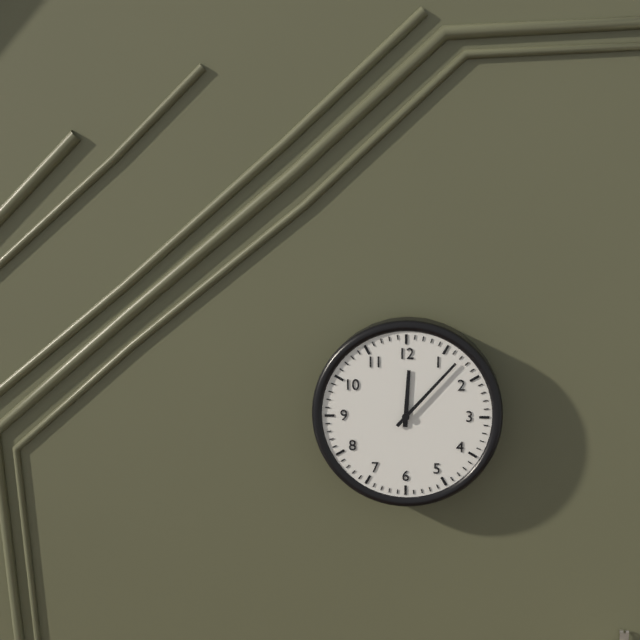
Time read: 12h07
